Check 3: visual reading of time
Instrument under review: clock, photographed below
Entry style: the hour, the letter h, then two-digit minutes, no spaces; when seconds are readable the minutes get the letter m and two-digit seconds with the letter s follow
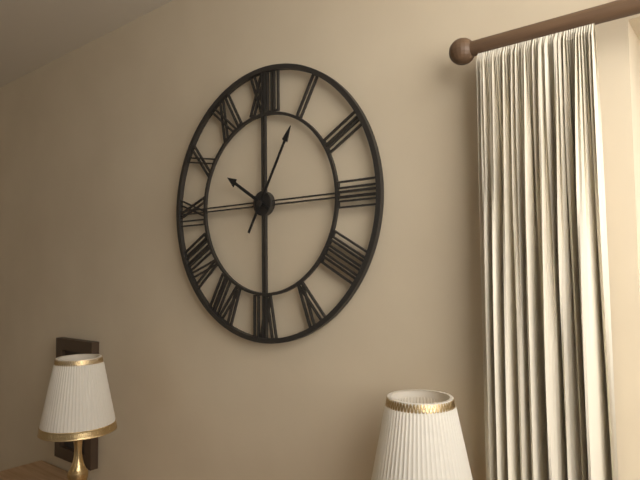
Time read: 10h05
